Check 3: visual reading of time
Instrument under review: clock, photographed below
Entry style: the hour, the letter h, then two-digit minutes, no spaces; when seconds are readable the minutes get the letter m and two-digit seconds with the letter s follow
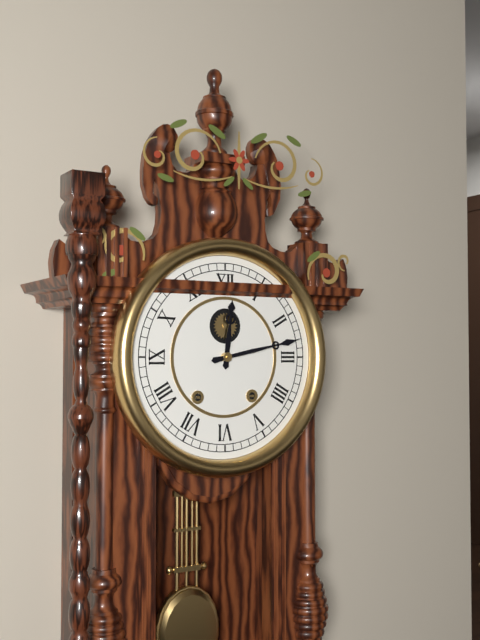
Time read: 12h13
